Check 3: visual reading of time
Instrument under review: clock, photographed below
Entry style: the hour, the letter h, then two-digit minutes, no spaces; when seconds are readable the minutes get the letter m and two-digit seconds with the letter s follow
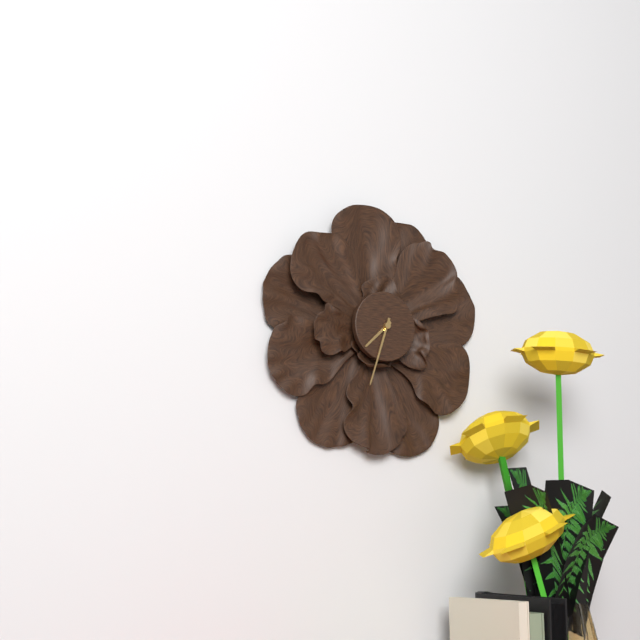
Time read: 7h33
